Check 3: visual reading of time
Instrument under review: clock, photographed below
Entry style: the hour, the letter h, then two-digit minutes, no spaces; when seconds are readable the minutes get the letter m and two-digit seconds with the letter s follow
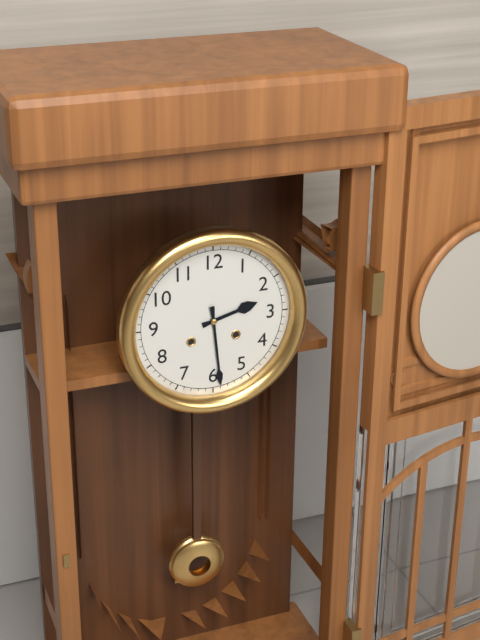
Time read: 2h29
